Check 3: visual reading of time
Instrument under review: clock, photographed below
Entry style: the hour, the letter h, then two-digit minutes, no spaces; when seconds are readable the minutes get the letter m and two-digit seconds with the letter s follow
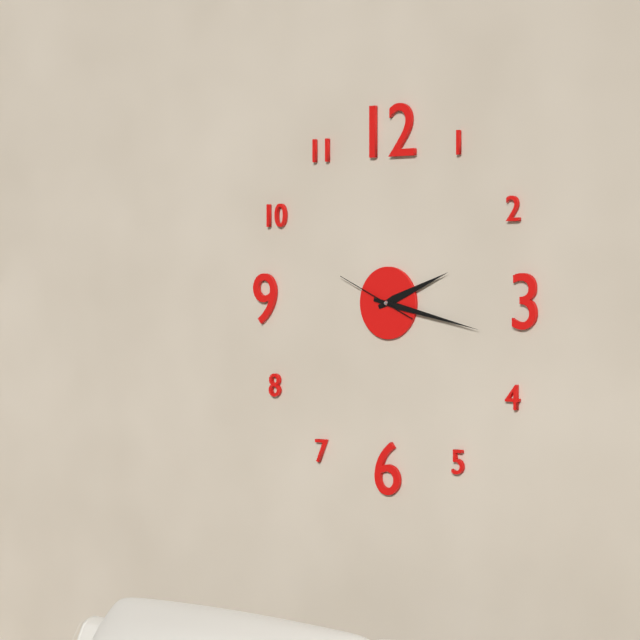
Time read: 2h17m49s
